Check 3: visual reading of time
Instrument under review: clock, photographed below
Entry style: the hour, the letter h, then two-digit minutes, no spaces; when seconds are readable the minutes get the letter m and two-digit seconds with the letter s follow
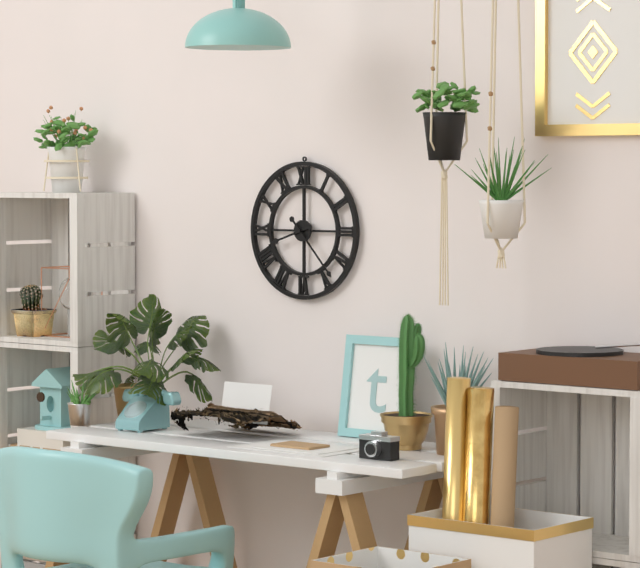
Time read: 8h23
